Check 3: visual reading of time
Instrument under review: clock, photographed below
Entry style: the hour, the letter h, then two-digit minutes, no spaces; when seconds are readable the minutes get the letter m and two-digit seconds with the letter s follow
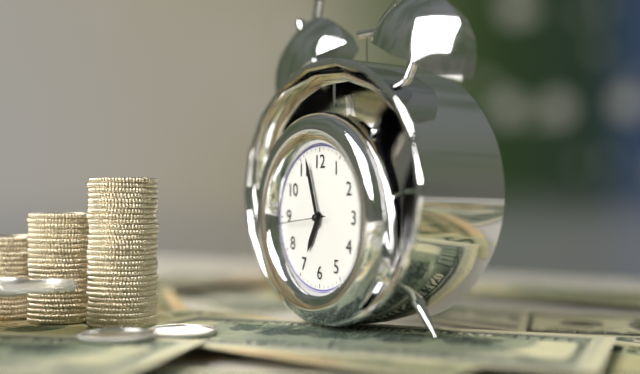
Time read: 6h57
